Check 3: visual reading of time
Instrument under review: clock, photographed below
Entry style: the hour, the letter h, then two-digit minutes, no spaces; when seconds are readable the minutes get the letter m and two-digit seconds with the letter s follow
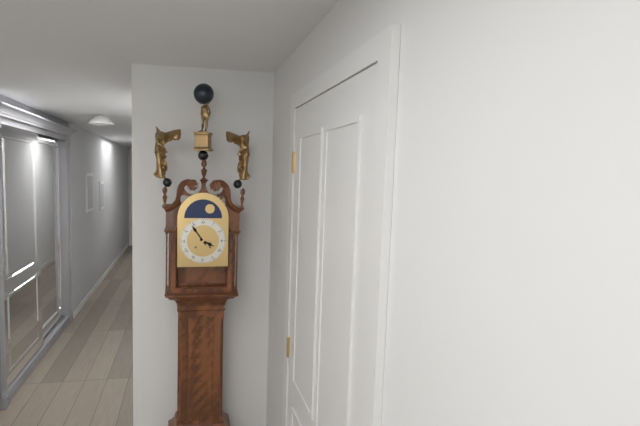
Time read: 3h54
